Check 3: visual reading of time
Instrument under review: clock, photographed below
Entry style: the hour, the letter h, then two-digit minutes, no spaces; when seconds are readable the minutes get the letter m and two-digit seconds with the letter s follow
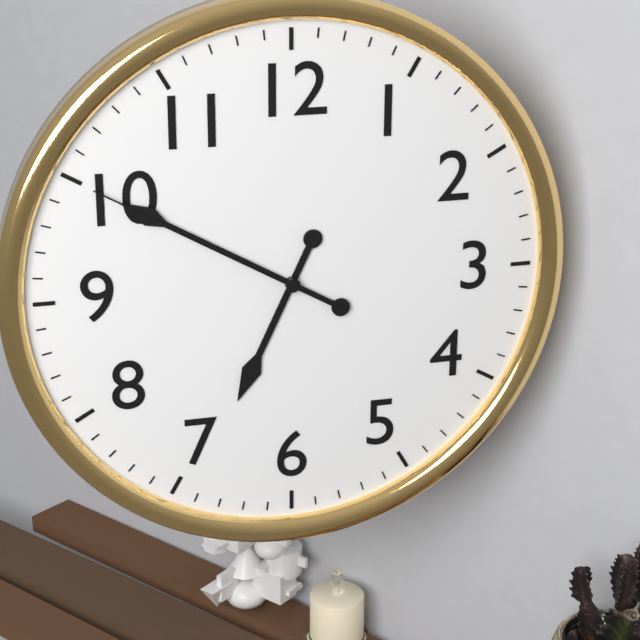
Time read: 6h50m50s
